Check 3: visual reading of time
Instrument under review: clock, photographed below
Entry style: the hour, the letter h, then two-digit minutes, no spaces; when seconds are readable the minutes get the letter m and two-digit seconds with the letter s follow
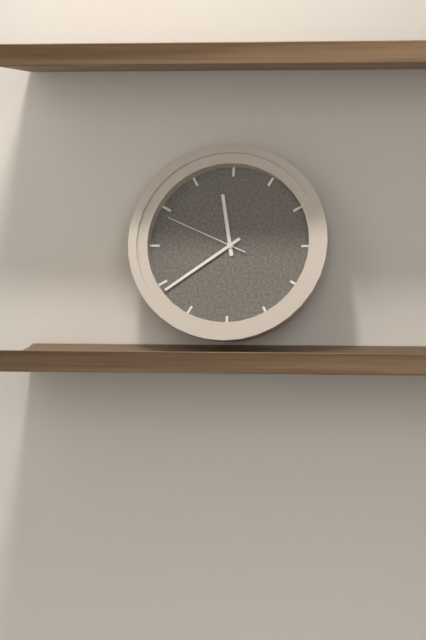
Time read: 11h39m49s
